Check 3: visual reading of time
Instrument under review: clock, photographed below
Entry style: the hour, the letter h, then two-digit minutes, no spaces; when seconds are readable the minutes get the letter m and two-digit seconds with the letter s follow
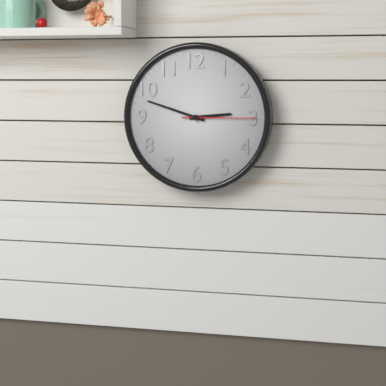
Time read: 2h48m15s
